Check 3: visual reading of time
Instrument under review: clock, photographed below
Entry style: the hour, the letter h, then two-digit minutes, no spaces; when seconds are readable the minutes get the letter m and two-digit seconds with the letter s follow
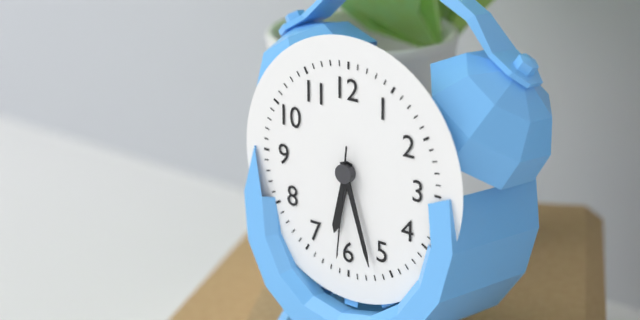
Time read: 6h27m31s
